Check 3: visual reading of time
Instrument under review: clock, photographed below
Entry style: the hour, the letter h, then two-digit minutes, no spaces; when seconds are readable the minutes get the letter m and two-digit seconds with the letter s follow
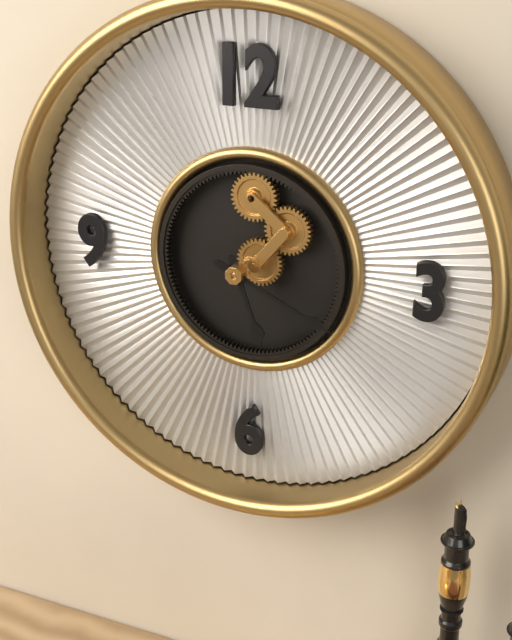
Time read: 5h19
